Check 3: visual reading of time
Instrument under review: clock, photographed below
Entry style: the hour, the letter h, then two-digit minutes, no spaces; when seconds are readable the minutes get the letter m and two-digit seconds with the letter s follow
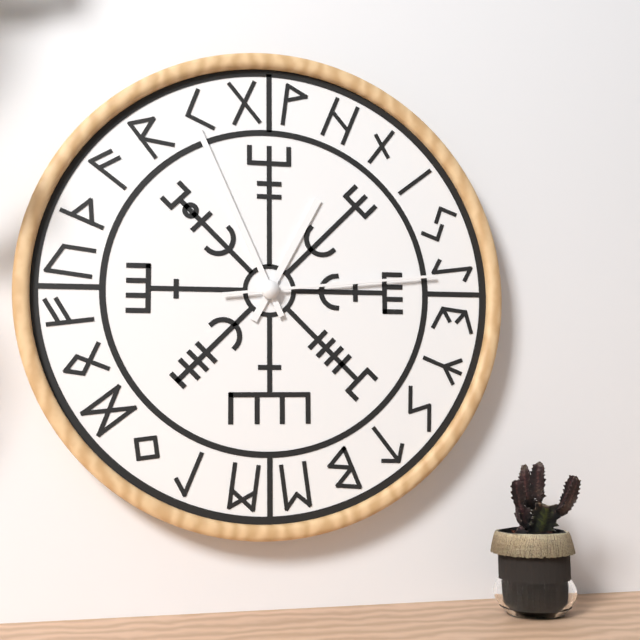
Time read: 12h56m14s
